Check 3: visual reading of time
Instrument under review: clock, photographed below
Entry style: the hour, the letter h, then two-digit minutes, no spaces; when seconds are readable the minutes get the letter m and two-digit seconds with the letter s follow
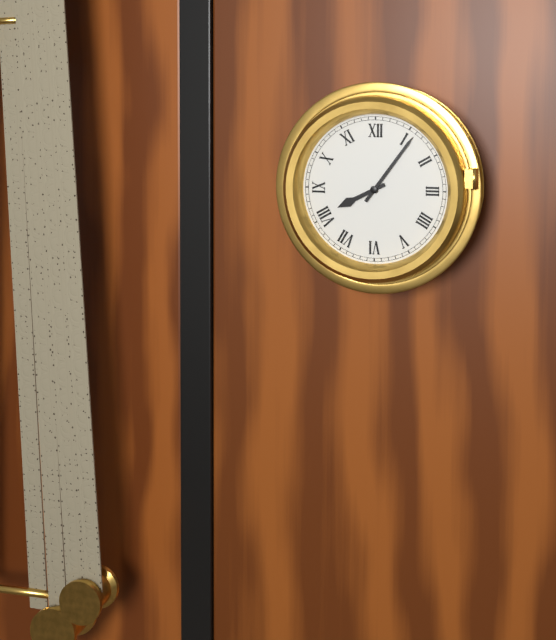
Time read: 8h06
